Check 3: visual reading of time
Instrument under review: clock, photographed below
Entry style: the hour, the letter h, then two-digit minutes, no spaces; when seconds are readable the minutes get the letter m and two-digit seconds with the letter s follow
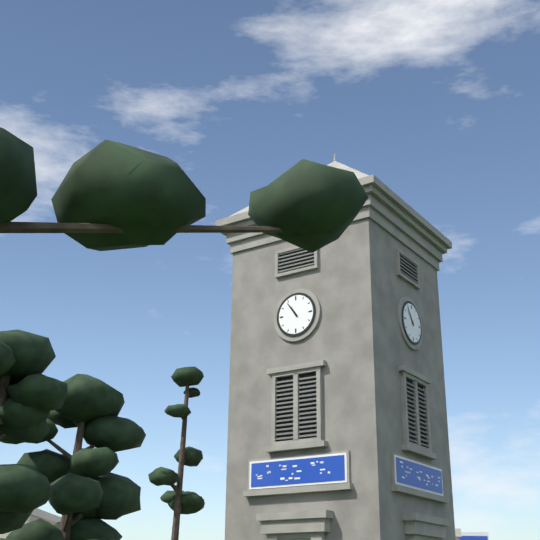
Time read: 10h54
